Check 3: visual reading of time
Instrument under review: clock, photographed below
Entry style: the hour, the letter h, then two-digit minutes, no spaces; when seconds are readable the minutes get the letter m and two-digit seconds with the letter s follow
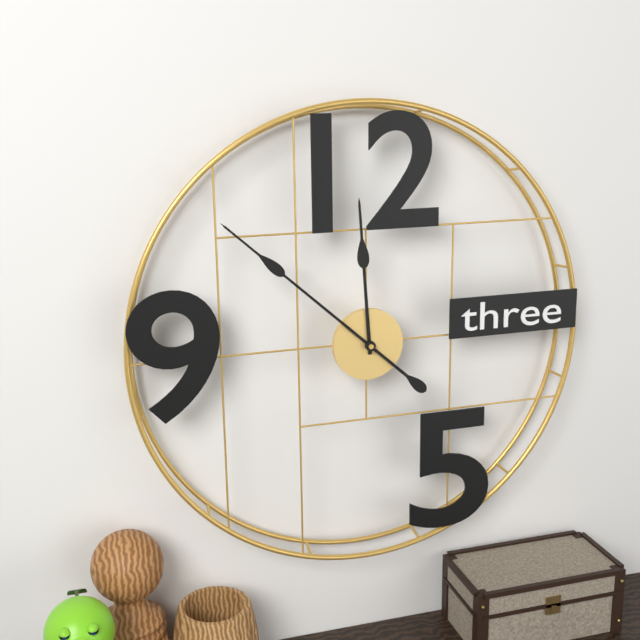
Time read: 11h52
